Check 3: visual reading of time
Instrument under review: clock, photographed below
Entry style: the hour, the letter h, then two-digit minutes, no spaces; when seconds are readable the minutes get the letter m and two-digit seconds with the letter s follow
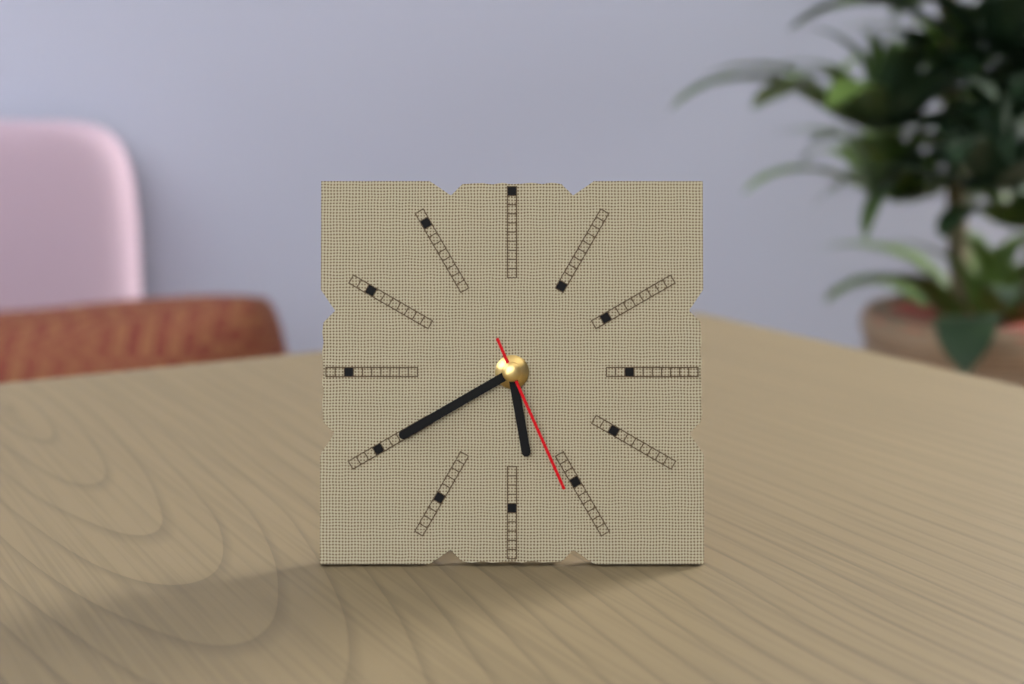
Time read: 5h40m26s
